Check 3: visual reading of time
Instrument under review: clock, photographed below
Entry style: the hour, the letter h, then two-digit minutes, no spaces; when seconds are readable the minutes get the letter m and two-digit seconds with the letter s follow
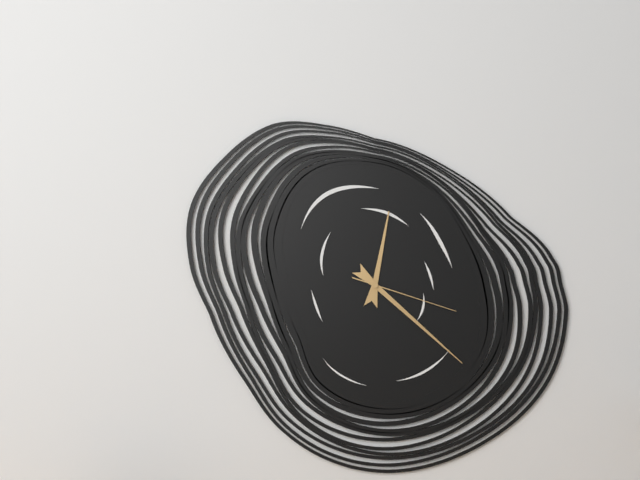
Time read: 12h22m18s
